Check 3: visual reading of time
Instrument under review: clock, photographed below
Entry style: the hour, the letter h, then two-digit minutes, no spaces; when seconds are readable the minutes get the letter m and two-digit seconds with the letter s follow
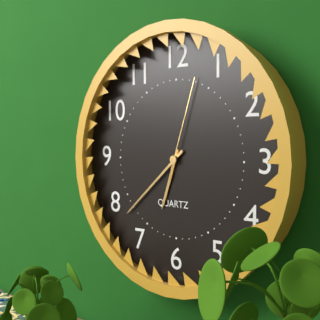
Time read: 6h38m03s
